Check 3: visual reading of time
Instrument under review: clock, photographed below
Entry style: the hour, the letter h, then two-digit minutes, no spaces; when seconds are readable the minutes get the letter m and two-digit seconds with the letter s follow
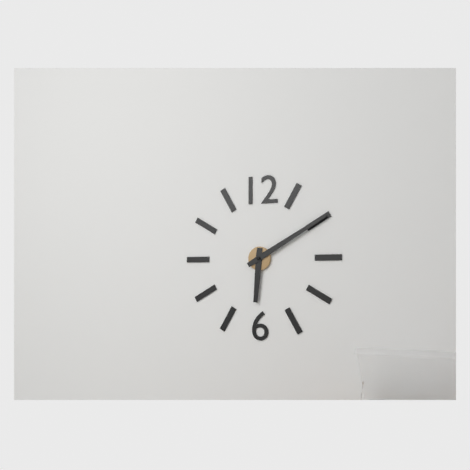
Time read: 6h10
